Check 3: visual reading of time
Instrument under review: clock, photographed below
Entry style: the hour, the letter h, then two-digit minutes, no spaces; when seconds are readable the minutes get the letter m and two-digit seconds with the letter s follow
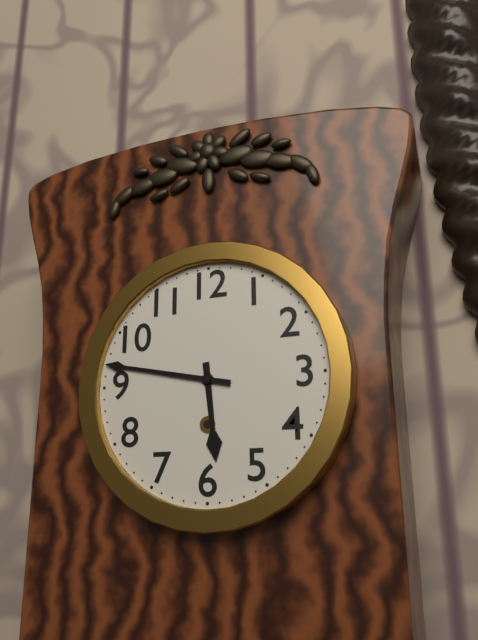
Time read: 5h47
